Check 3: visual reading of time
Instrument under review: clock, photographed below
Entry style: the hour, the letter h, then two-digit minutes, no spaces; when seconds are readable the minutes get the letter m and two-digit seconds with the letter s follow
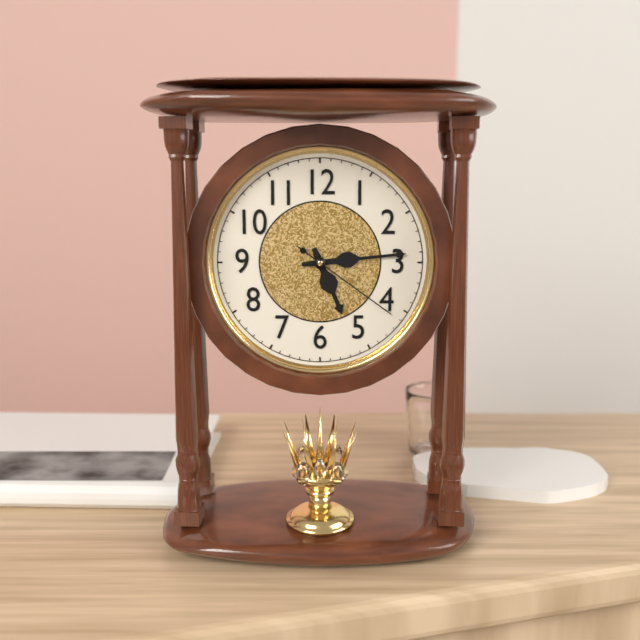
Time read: 5h14m21s
